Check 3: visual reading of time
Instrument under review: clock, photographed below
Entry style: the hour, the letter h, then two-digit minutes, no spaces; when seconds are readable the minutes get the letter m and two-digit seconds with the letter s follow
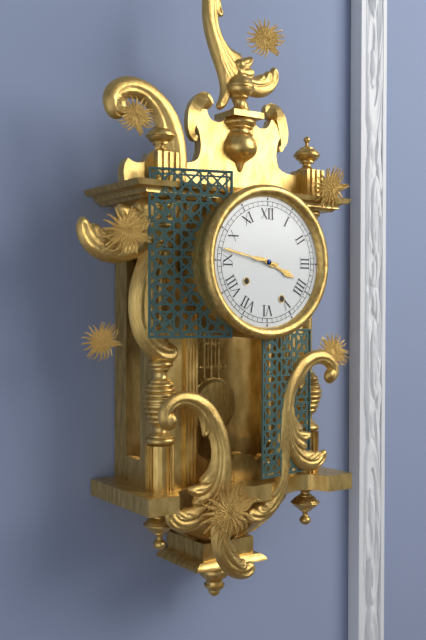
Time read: 3h47
